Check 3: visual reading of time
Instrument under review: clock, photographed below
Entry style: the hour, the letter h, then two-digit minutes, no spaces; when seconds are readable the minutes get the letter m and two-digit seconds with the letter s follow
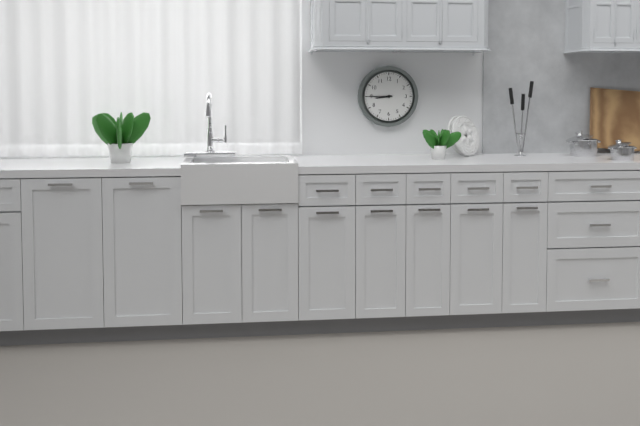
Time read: 8h45
